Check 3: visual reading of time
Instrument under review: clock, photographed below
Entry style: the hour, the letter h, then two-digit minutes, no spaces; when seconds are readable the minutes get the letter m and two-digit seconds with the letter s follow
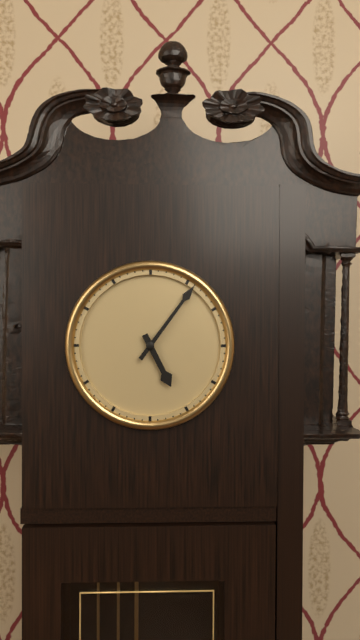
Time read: 5h06
